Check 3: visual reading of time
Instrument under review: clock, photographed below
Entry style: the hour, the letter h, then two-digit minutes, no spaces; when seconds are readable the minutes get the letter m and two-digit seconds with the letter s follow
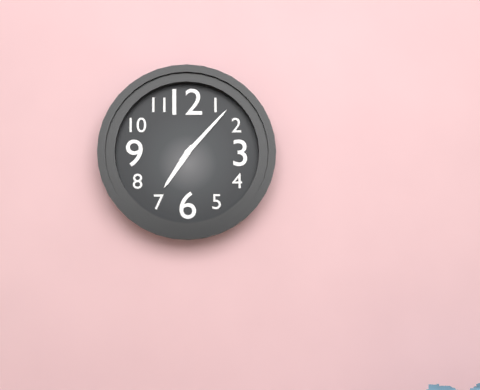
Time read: 7h07
